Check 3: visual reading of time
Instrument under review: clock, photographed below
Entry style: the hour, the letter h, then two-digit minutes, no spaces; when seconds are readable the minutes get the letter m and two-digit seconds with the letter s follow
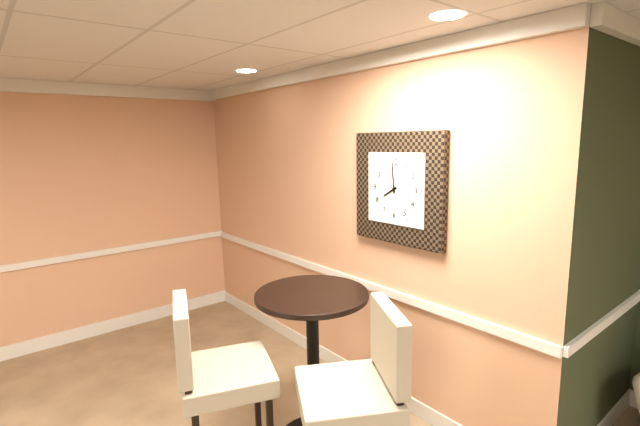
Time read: 7h59
